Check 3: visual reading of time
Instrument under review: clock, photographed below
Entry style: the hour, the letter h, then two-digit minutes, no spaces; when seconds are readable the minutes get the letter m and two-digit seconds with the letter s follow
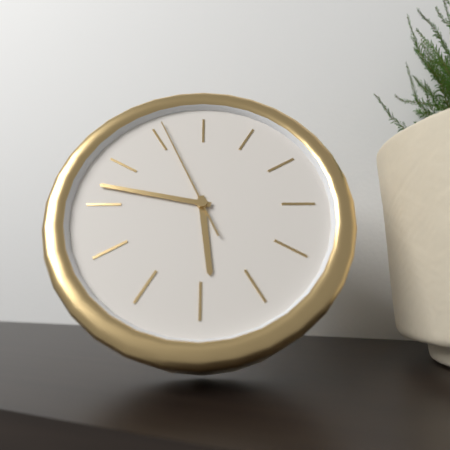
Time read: 5h47m56s
